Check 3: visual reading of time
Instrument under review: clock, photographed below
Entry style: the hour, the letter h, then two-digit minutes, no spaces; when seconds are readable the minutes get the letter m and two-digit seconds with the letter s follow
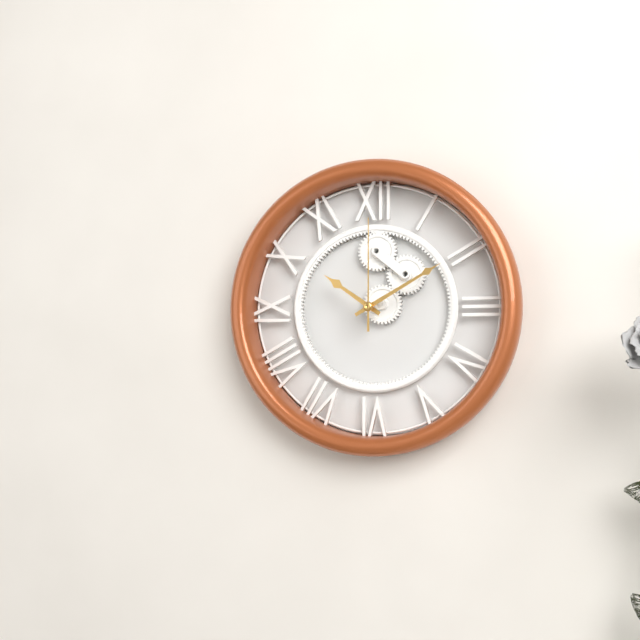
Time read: 10h10m00s
